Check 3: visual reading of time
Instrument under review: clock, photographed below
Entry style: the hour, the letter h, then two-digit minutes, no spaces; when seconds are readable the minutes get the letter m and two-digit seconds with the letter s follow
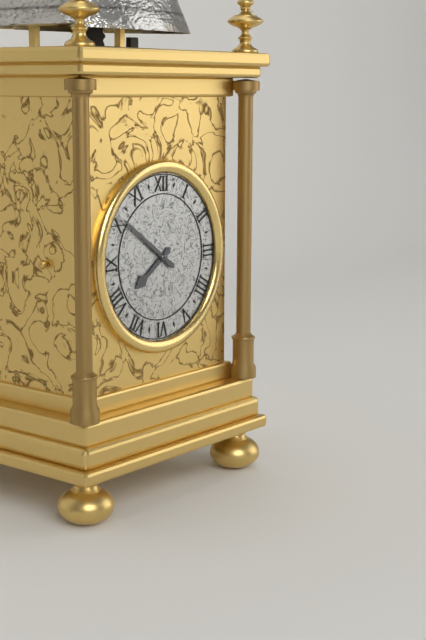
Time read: 7h51
